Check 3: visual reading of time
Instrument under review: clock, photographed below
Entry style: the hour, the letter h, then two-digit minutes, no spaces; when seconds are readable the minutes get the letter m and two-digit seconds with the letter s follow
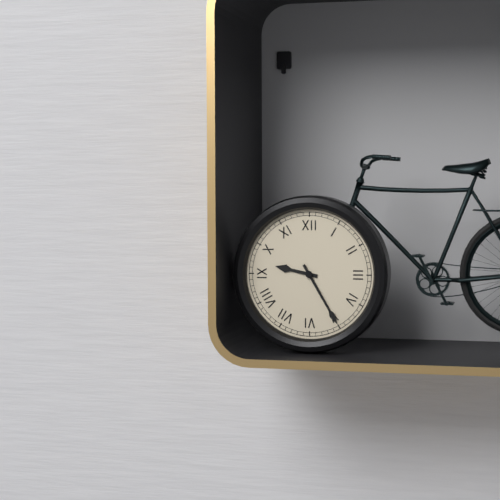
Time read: 9h25
